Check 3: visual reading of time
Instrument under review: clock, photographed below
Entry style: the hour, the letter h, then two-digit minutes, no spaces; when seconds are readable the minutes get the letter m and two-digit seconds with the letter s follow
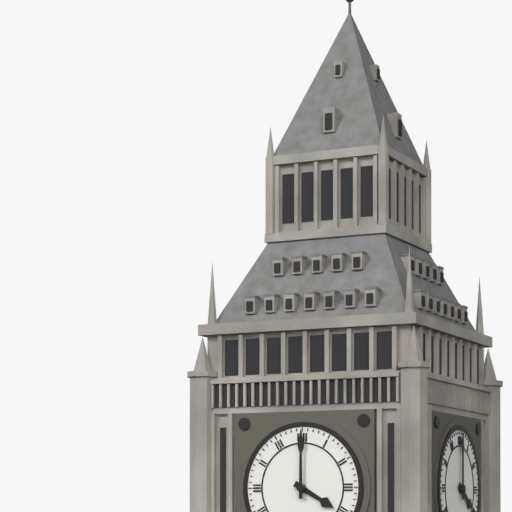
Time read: 4h00
